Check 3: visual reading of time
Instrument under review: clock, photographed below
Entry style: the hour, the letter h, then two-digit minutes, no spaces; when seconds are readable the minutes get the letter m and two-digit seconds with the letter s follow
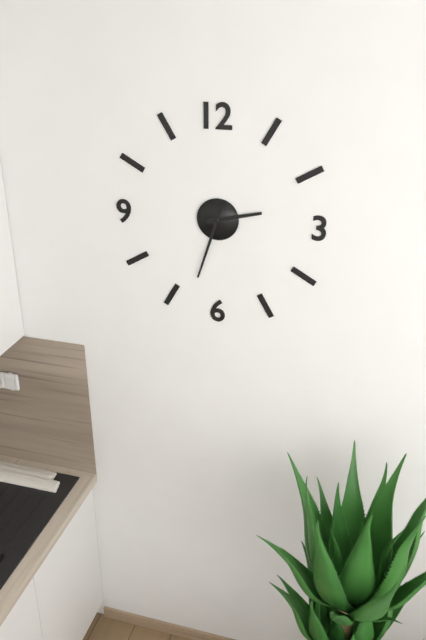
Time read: 2h33
